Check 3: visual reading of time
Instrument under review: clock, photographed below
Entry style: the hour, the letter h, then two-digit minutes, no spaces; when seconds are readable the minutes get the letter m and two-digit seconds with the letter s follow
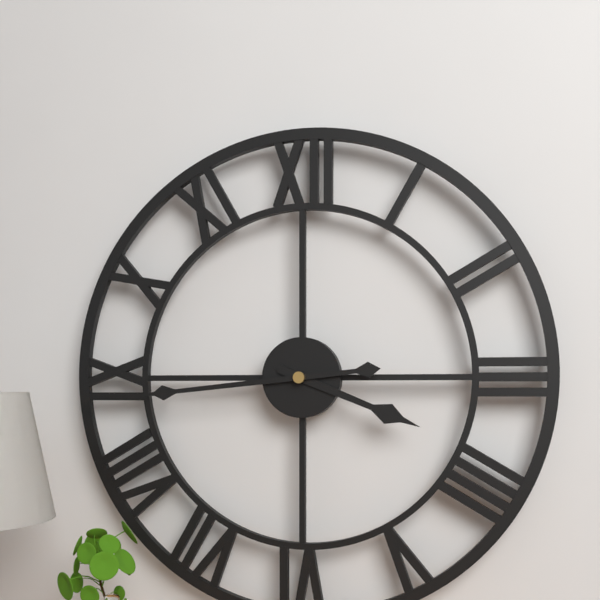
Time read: 3h44
